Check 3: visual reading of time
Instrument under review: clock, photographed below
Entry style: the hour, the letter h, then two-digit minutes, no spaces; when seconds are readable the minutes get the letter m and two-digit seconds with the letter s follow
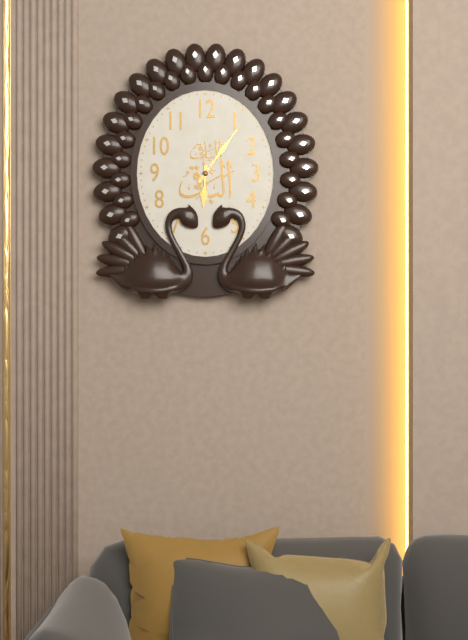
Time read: 6h06
